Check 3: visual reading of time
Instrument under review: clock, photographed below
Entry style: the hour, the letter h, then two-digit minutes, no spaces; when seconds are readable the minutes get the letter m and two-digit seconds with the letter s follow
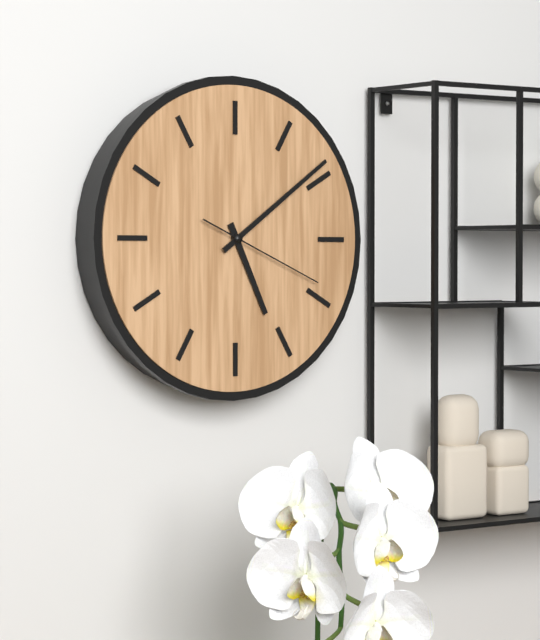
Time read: 5h09m19s
